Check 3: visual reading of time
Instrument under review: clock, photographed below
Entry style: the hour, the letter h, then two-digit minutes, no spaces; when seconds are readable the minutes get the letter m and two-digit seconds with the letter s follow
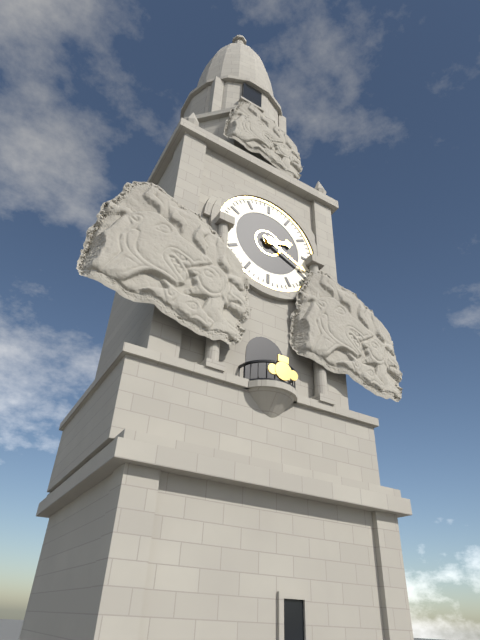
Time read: 2h19
